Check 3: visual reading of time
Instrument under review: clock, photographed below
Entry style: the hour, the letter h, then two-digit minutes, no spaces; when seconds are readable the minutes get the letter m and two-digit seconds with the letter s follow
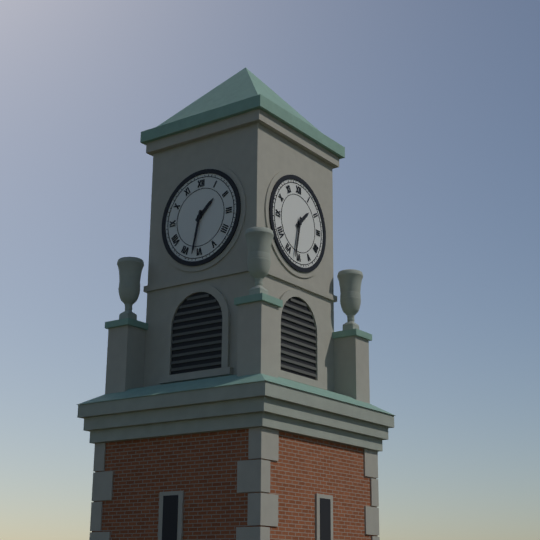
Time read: 1h32
